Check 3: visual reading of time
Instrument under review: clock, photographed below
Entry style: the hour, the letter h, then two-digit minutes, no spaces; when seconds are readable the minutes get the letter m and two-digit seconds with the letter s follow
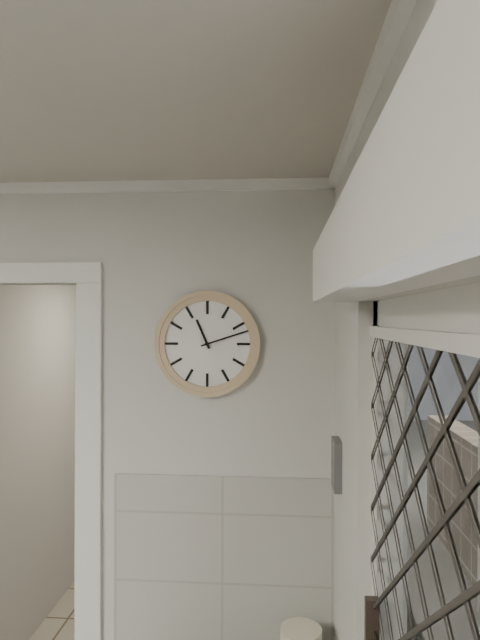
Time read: 11h12
